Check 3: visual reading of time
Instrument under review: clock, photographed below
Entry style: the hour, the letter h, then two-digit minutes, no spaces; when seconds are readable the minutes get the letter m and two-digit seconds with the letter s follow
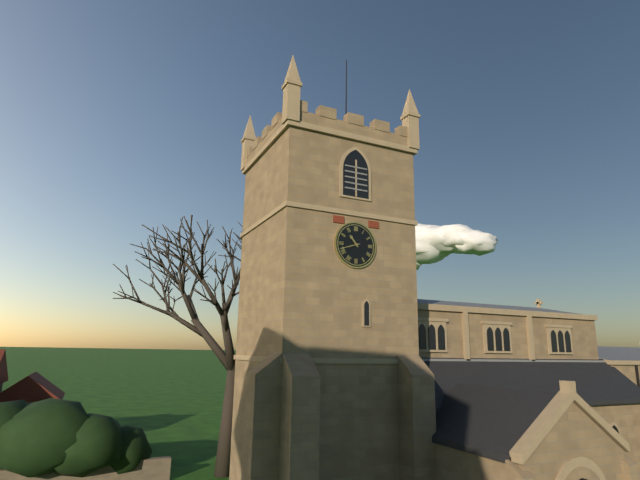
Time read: 10h42
